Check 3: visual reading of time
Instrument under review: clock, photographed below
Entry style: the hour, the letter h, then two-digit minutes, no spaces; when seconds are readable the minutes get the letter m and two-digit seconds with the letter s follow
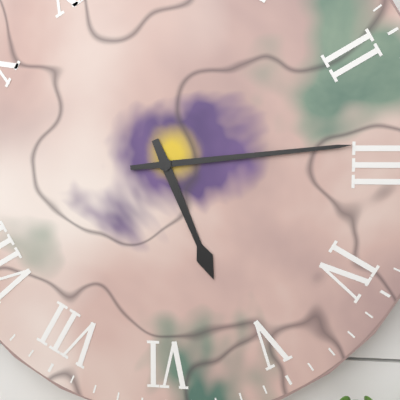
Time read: 5h14
